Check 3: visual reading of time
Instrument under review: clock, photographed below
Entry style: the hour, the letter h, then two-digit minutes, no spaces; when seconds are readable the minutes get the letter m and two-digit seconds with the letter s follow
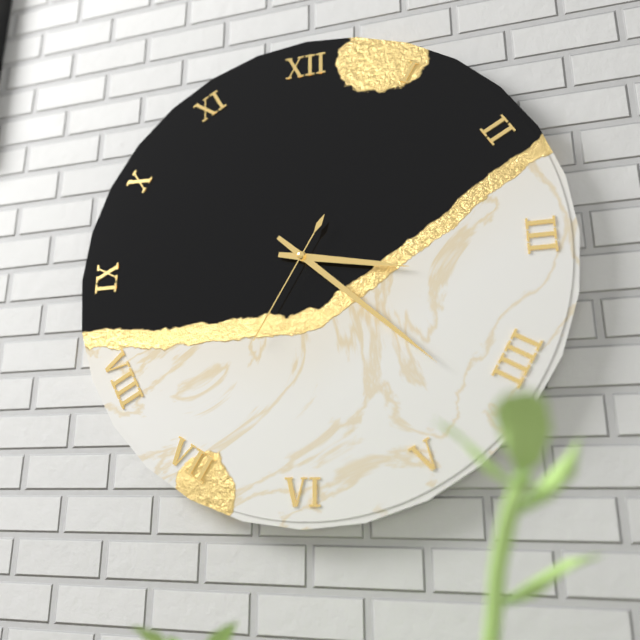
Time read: 3h22m35s
